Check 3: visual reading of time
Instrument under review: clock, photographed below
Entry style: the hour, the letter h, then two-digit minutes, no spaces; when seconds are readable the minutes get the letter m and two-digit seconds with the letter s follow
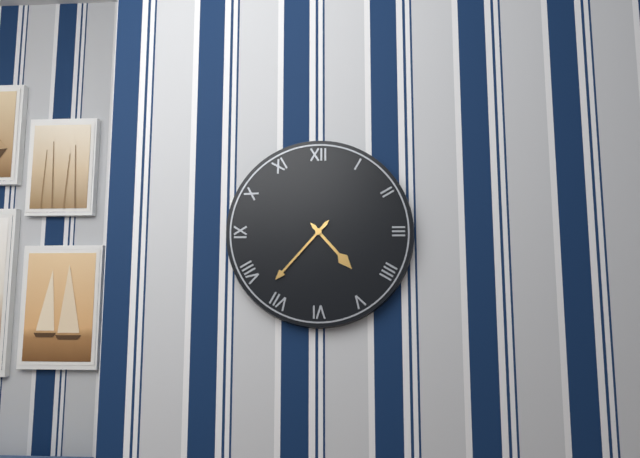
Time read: 4h37
